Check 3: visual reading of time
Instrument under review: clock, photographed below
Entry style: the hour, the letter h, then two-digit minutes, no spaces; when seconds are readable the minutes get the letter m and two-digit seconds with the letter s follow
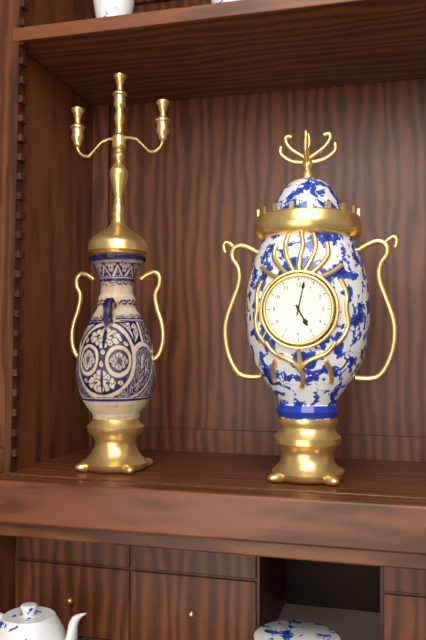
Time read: 5h02
